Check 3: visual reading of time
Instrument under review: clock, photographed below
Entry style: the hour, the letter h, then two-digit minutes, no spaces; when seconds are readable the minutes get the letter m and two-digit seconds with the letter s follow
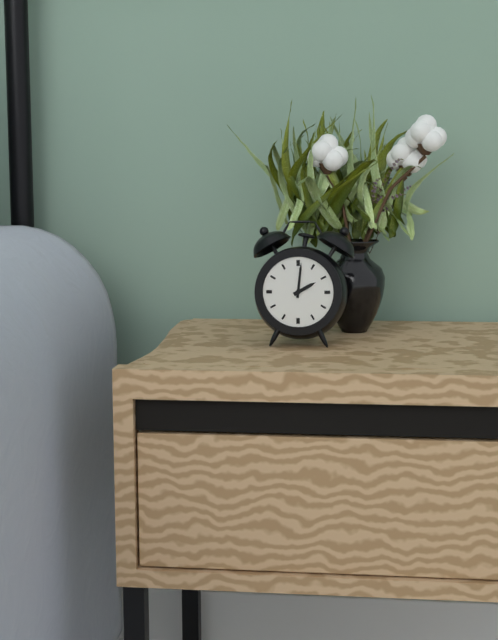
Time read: 2h01
